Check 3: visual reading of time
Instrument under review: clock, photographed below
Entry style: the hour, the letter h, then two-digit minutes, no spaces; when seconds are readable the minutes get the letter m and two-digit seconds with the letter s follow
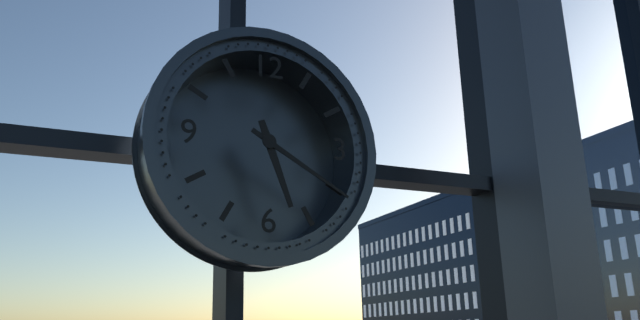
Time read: 5h20
